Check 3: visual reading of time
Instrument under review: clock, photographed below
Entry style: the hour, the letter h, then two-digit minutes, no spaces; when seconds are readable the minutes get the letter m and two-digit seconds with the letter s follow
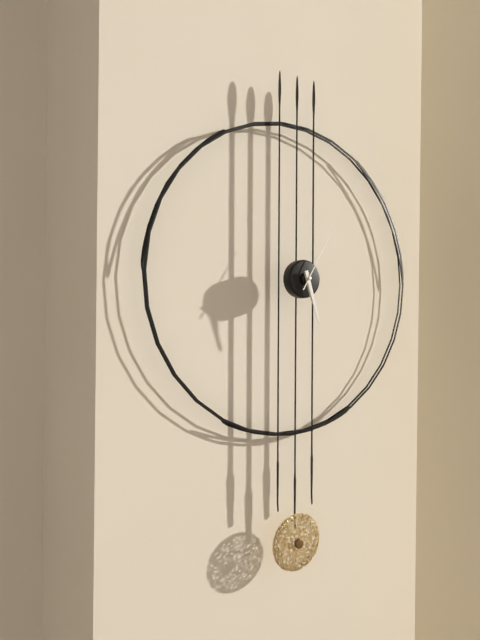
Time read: 5h27m05s
